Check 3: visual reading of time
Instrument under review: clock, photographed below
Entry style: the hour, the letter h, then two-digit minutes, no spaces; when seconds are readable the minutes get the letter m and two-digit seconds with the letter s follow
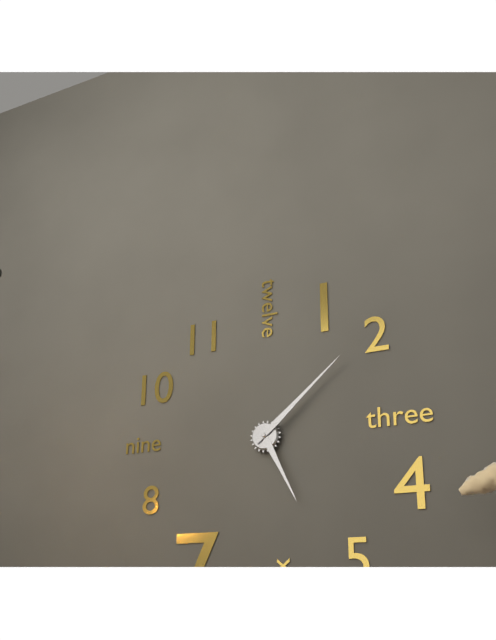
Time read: 5h08
